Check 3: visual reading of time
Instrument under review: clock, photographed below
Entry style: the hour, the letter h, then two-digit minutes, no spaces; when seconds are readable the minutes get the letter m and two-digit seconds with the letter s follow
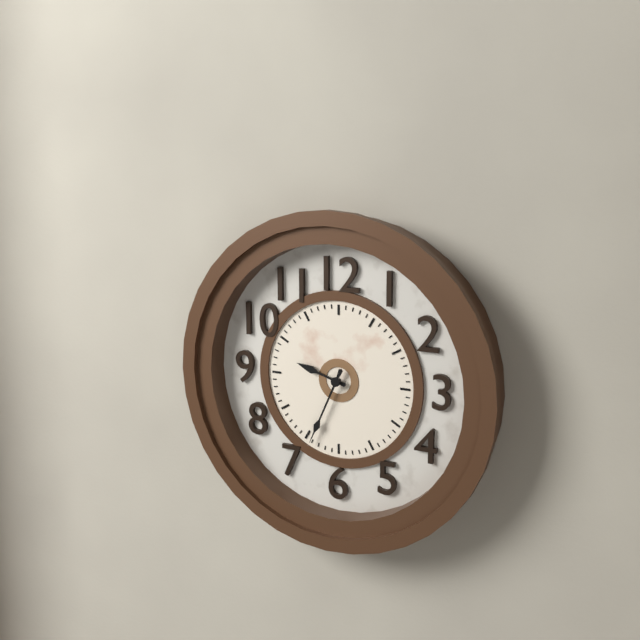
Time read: 9h34
